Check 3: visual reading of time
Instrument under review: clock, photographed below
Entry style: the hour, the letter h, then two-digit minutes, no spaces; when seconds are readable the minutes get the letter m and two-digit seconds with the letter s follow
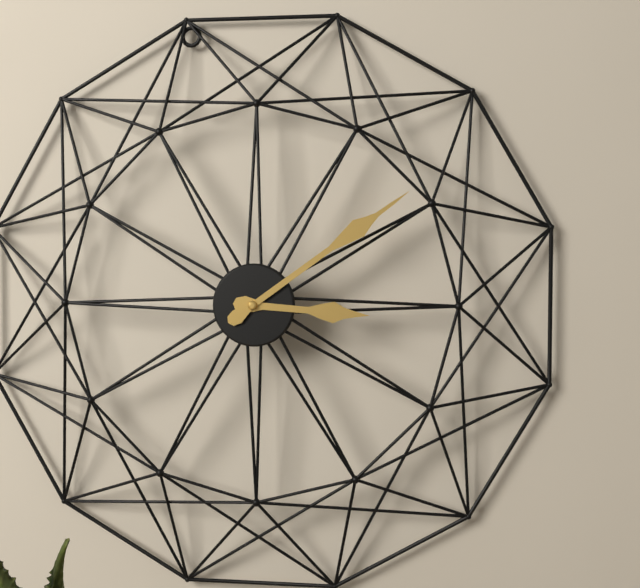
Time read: 3h09
